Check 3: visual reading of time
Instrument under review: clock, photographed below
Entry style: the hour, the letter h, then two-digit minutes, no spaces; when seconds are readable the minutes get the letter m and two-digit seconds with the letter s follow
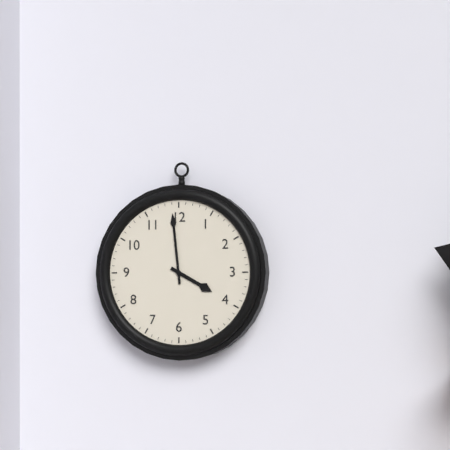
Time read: 3h59
